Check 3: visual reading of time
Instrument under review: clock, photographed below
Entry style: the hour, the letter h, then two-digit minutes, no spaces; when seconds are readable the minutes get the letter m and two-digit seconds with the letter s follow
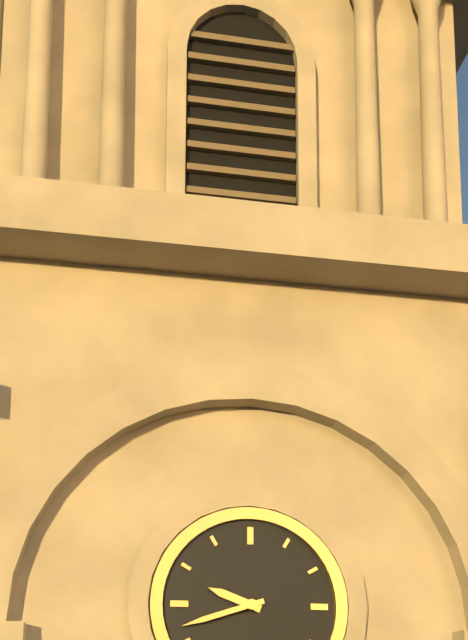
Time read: 9h42
